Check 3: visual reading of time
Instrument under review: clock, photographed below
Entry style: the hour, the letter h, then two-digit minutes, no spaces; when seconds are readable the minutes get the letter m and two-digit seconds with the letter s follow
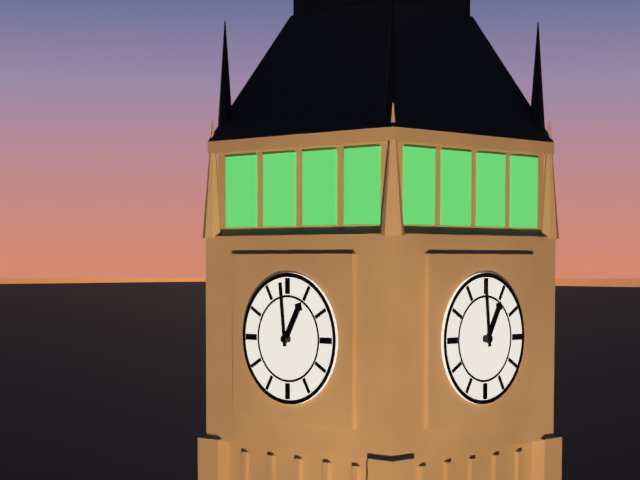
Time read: 12h59
